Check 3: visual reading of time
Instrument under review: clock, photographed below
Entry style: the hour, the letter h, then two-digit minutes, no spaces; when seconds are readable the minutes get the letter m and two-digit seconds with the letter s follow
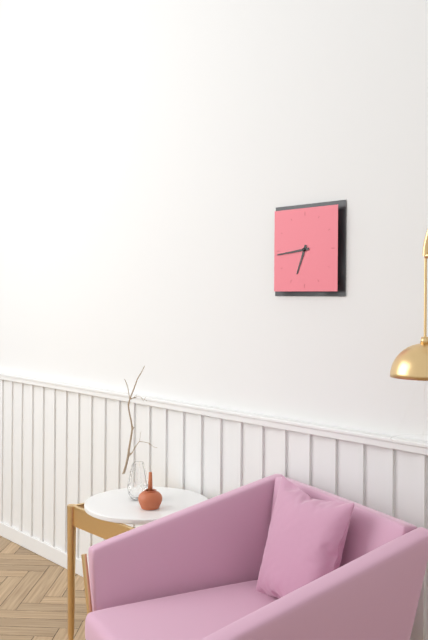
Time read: 6h44
